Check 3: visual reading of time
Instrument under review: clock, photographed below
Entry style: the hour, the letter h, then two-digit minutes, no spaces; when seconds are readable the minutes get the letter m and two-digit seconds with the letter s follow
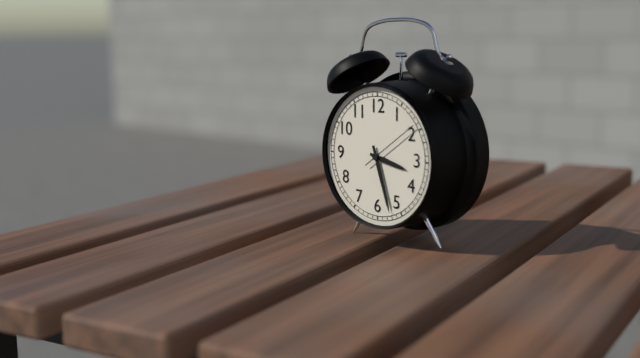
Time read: 3h27
